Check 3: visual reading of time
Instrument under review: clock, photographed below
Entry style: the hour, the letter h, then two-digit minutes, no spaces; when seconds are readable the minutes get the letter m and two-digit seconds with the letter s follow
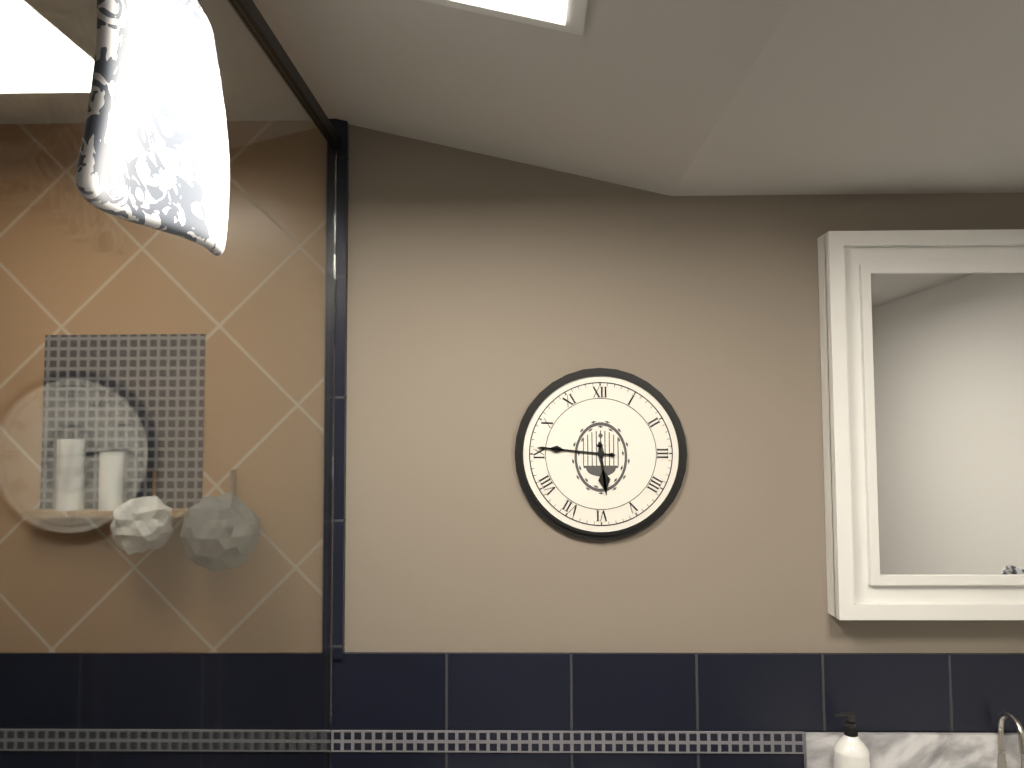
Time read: 5h46
